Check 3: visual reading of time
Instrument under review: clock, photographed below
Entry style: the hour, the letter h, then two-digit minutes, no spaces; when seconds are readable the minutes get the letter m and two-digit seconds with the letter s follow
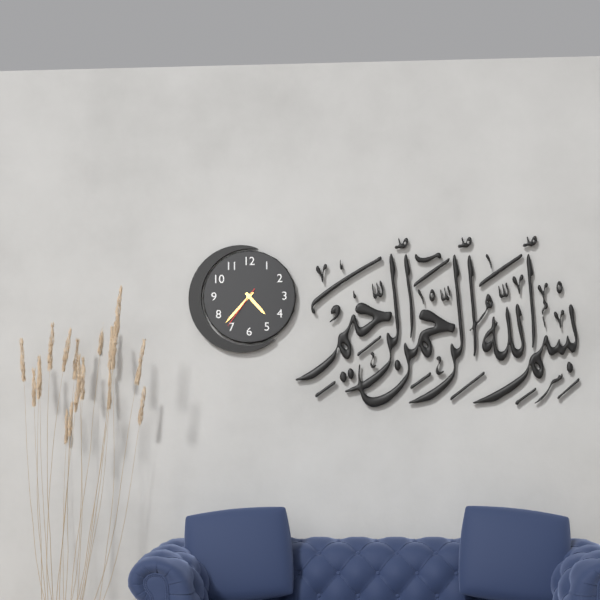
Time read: 4h37
